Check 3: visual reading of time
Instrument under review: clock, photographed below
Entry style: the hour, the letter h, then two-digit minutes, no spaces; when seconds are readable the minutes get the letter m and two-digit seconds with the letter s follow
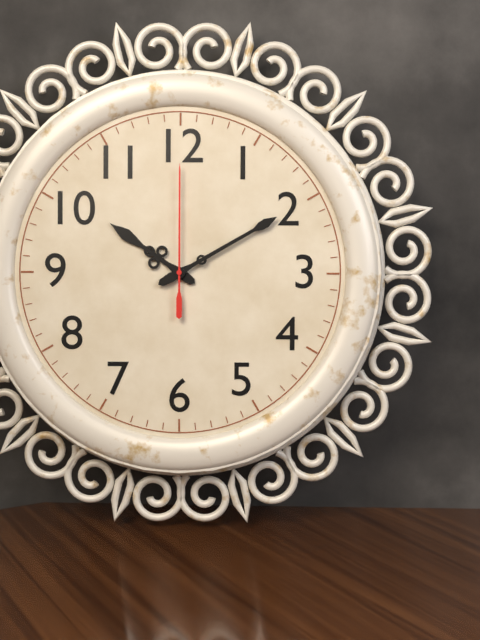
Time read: 10h10m00s
